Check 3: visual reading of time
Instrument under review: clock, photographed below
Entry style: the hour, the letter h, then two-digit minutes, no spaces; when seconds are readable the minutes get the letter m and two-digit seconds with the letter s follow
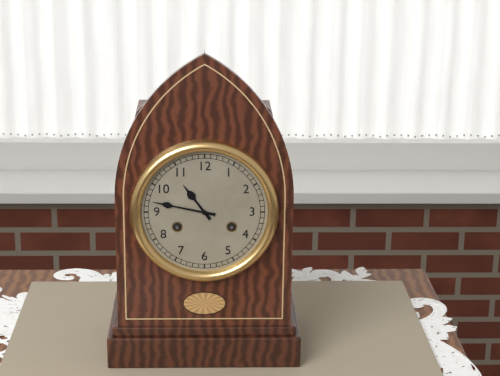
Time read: 10h47
